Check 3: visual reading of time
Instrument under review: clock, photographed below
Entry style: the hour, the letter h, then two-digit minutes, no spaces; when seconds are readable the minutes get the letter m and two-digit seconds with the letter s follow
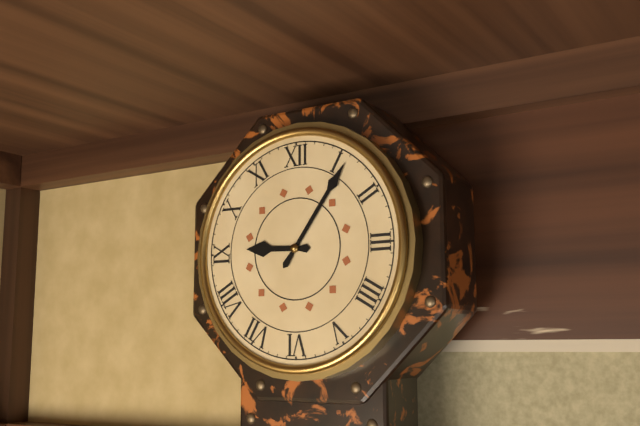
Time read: 9h06
